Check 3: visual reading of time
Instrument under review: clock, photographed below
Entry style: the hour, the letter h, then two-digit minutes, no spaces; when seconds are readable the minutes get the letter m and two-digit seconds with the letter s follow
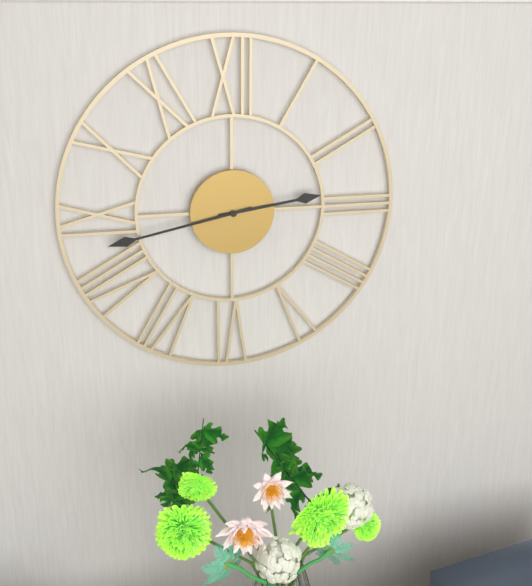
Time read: 2h43
